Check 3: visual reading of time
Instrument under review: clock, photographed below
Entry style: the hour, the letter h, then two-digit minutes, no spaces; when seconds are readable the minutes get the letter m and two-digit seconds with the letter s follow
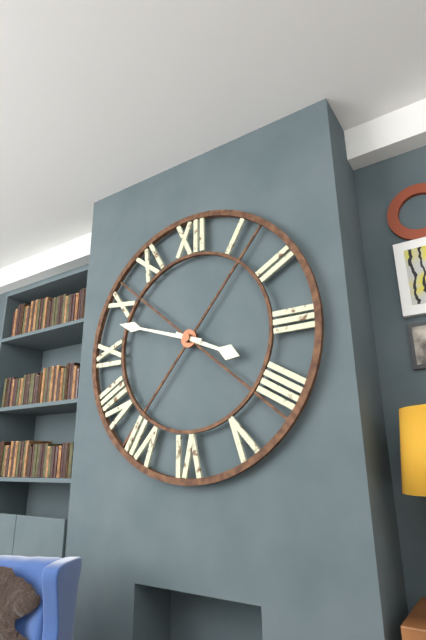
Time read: 3h48
